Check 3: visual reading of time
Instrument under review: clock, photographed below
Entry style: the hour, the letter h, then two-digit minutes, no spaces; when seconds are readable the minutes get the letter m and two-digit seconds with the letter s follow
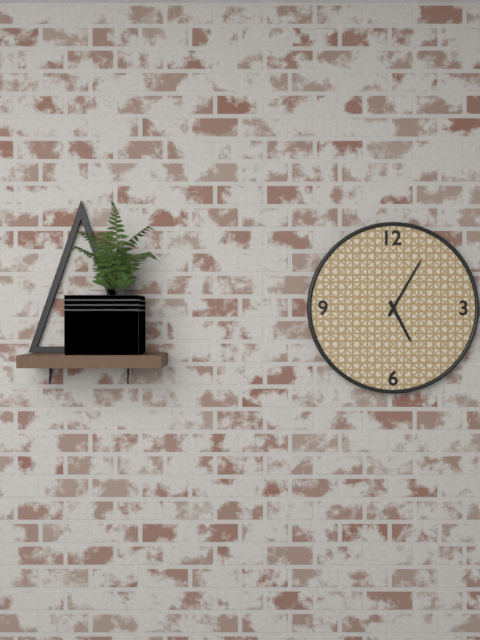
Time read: 5h05
